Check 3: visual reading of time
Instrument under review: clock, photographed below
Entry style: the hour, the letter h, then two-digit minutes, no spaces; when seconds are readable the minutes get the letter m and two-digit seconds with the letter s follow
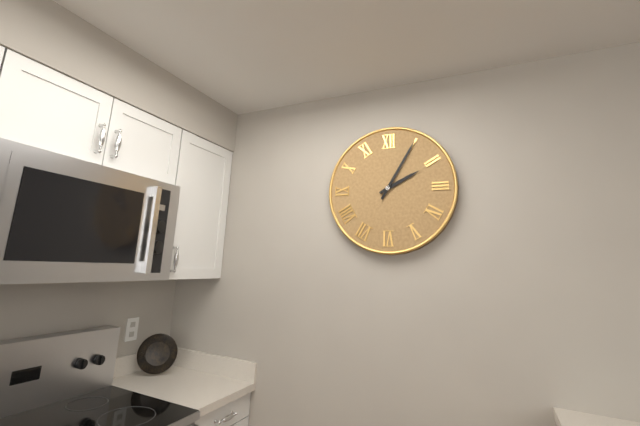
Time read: 2h05
